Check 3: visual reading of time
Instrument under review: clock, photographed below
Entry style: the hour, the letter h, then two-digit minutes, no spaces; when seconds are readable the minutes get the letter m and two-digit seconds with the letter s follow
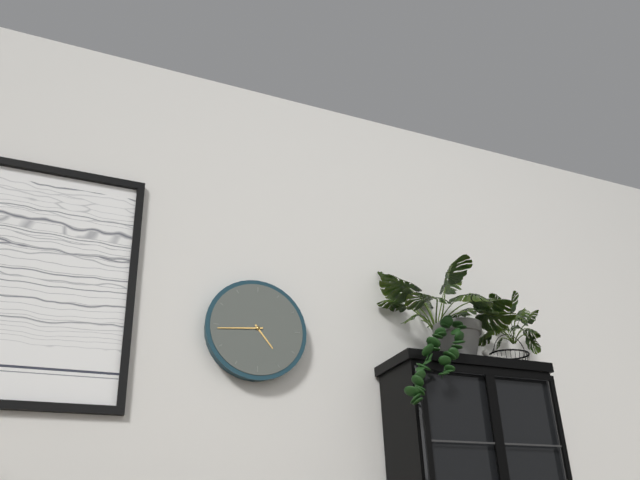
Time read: 4h44
